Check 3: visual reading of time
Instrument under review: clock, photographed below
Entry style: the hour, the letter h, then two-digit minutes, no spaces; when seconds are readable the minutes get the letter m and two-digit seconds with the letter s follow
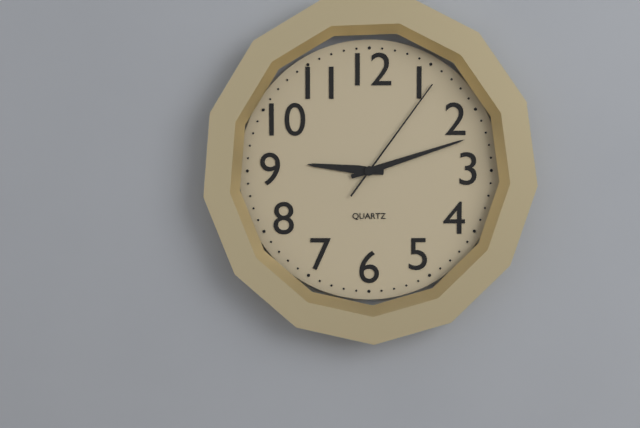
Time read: 9h12m06s
